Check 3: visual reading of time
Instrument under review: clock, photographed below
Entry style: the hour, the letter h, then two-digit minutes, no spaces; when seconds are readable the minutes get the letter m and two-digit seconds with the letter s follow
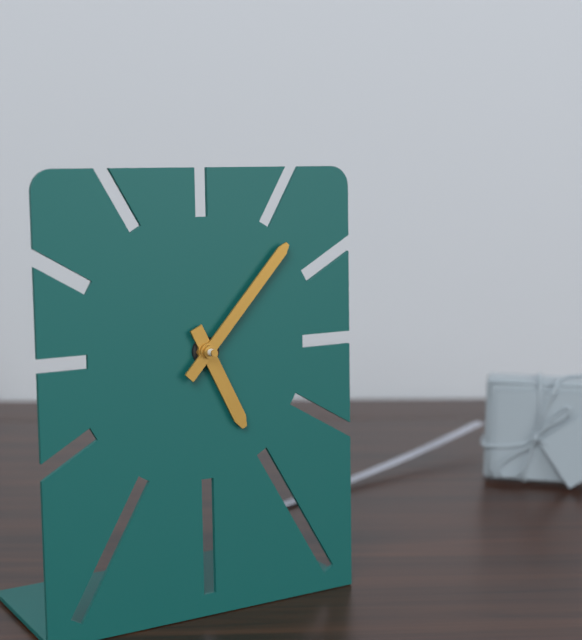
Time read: 5h07
